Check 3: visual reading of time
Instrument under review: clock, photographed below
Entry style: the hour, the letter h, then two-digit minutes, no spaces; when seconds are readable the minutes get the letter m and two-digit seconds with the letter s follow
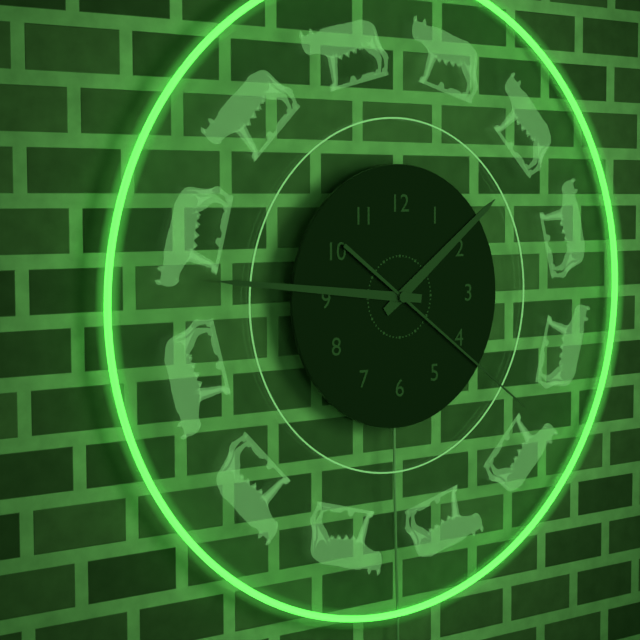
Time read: 1h46m21s
